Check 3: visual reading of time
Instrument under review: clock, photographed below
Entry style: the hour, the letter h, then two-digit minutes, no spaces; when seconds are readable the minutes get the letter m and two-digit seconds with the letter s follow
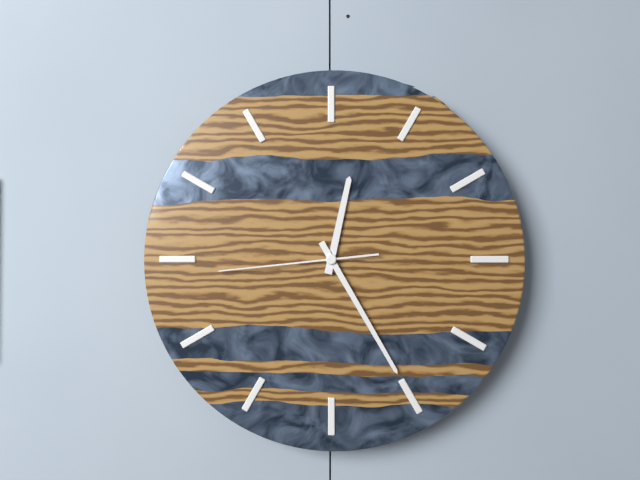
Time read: 12h25m44s
